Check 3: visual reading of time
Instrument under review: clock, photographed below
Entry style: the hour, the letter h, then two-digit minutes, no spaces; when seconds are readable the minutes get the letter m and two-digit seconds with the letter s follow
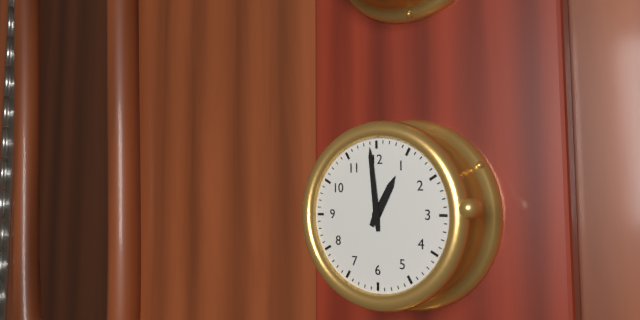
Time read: 12h59
